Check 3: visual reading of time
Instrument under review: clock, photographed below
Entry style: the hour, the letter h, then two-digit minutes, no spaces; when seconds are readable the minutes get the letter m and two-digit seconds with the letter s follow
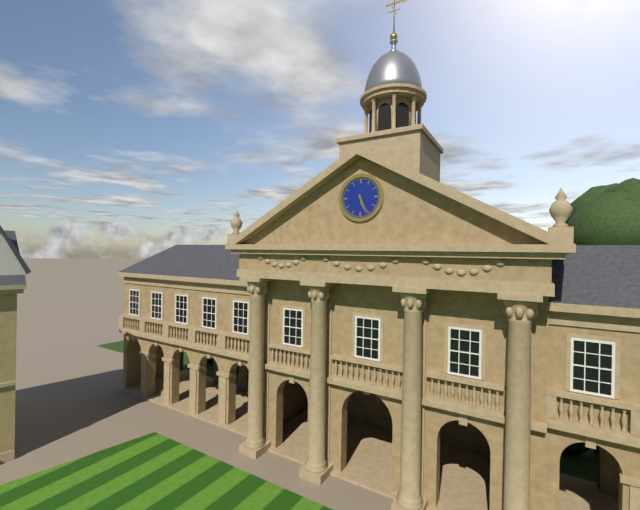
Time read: 5h26
